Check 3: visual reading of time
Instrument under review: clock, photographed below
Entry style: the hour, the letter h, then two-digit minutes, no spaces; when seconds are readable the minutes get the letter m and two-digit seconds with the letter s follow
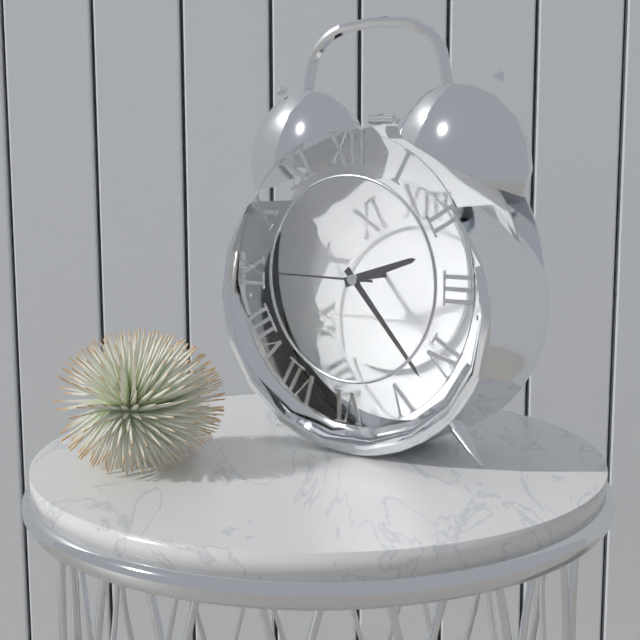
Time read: 2h23m45s
